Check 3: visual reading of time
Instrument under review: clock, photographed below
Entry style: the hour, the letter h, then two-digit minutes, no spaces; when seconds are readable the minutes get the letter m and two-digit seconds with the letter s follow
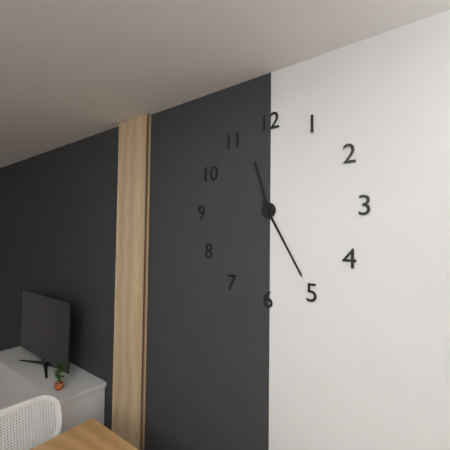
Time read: 11h25
